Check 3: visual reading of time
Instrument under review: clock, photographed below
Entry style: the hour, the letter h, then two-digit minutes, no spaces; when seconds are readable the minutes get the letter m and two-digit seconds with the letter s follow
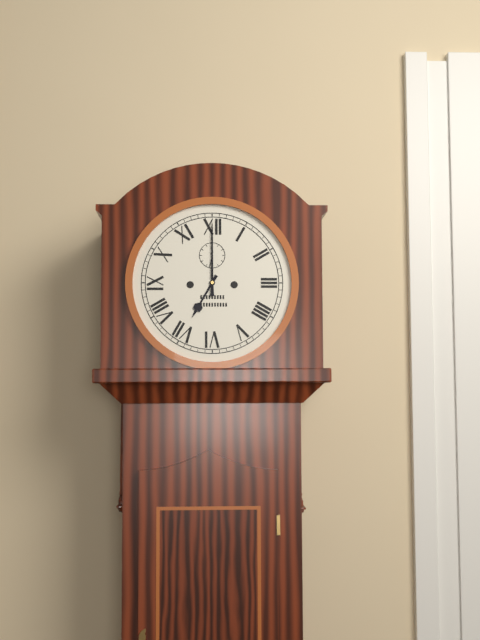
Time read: 7h00
